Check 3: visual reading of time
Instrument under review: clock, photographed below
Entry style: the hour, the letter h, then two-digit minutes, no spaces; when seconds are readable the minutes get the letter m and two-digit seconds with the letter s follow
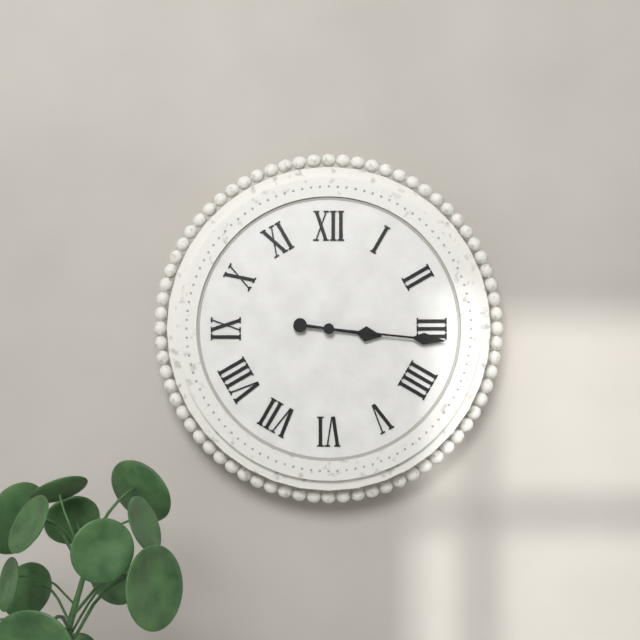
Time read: 3h16
